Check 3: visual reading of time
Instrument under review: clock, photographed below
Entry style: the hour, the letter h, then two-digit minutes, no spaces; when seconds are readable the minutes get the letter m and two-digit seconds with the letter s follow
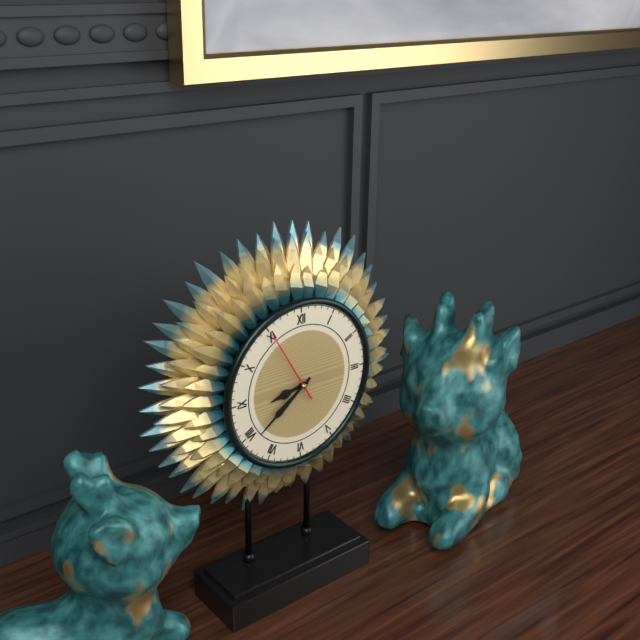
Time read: 8h39m55s
